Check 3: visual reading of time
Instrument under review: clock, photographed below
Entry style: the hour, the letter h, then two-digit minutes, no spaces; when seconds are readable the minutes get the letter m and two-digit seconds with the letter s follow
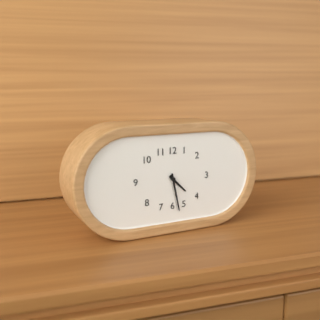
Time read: 4h28
